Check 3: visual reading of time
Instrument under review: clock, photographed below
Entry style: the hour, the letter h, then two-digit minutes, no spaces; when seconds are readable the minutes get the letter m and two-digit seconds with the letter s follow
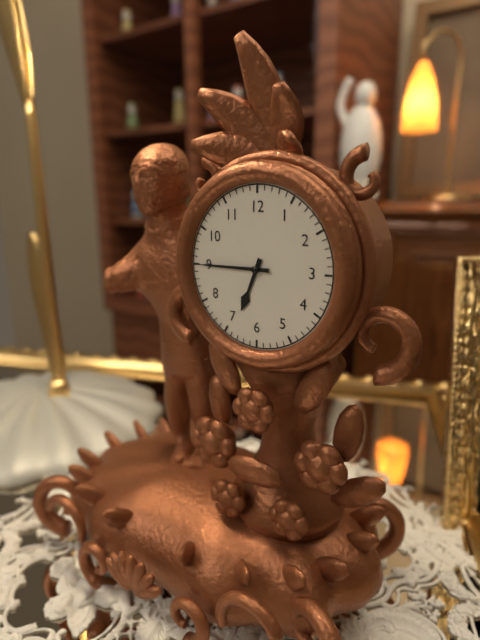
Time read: 6h45
